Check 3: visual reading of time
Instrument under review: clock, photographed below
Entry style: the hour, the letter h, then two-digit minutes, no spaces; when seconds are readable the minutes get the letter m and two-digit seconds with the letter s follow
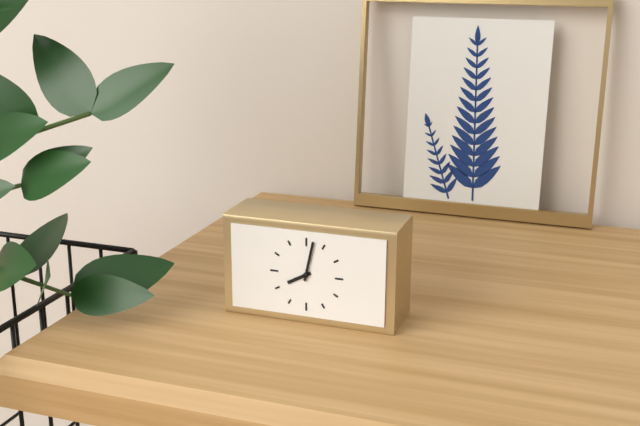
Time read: 8h02
